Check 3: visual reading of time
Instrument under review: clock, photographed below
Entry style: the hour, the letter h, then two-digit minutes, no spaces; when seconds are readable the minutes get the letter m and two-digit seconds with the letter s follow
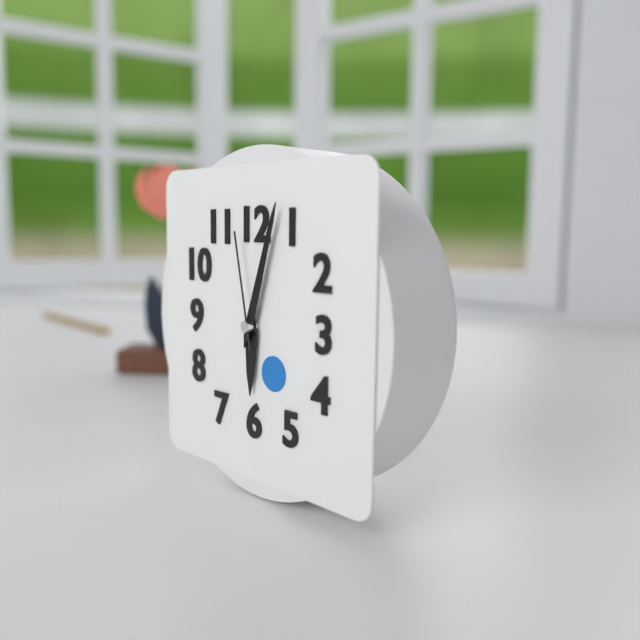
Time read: 6h03m58s
